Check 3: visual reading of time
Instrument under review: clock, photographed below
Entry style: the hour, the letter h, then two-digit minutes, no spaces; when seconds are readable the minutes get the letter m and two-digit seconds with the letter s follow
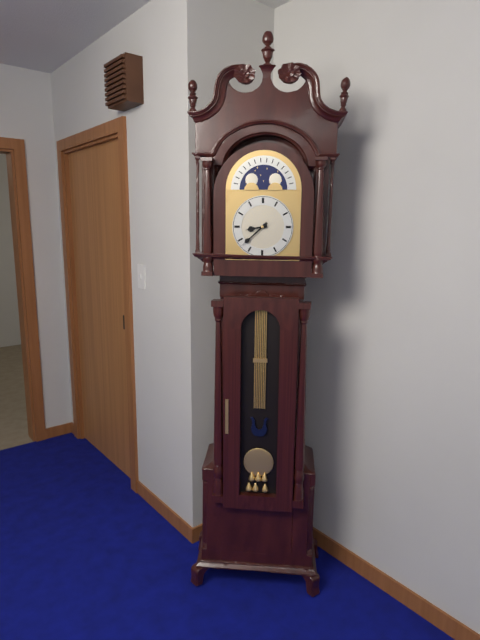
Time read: 8h38
